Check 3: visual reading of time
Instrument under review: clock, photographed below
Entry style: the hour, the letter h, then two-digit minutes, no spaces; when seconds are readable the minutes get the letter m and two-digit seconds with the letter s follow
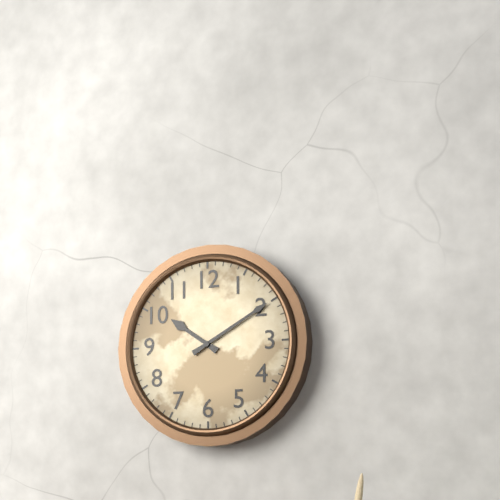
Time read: 10h10
